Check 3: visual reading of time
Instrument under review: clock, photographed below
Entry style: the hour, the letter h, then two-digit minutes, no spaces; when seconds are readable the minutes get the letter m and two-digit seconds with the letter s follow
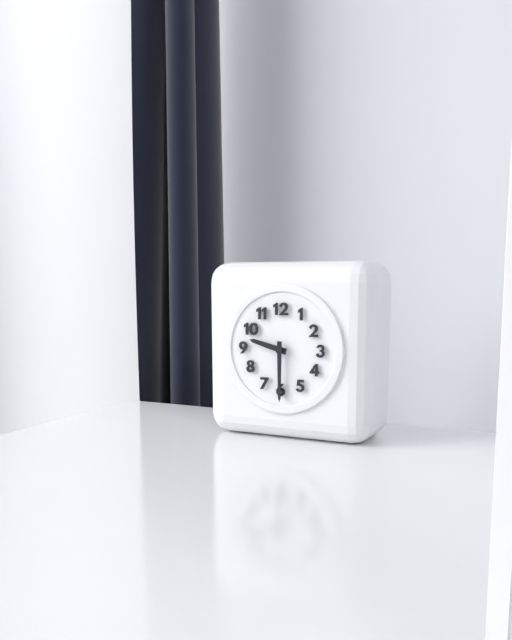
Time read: 9h30
